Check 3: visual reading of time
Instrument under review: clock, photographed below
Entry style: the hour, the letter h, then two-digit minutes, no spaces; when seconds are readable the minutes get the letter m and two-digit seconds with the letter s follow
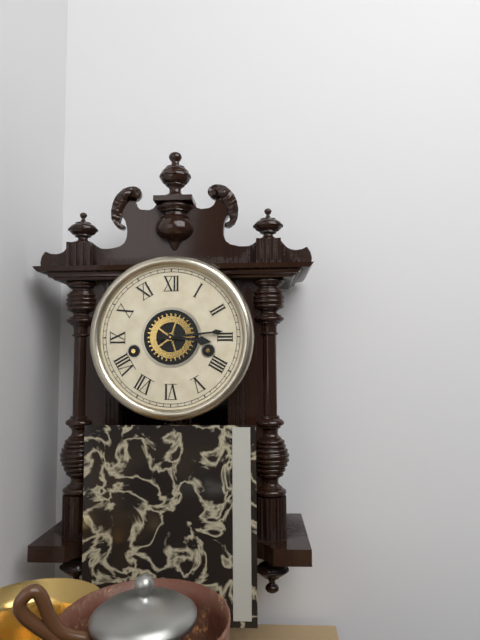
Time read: 3h14
